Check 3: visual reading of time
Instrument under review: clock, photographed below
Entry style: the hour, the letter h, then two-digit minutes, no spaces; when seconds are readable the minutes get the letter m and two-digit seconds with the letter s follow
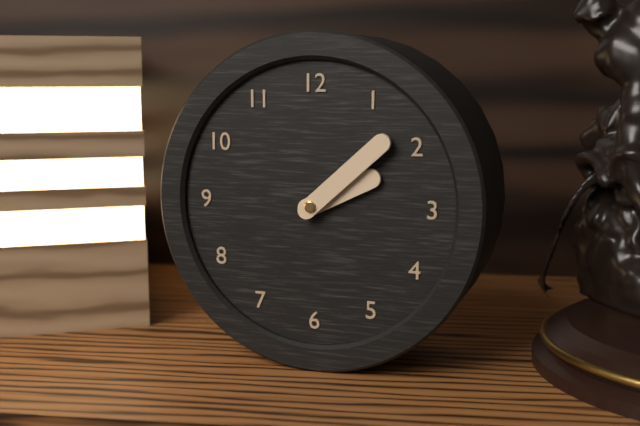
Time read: 2h08
